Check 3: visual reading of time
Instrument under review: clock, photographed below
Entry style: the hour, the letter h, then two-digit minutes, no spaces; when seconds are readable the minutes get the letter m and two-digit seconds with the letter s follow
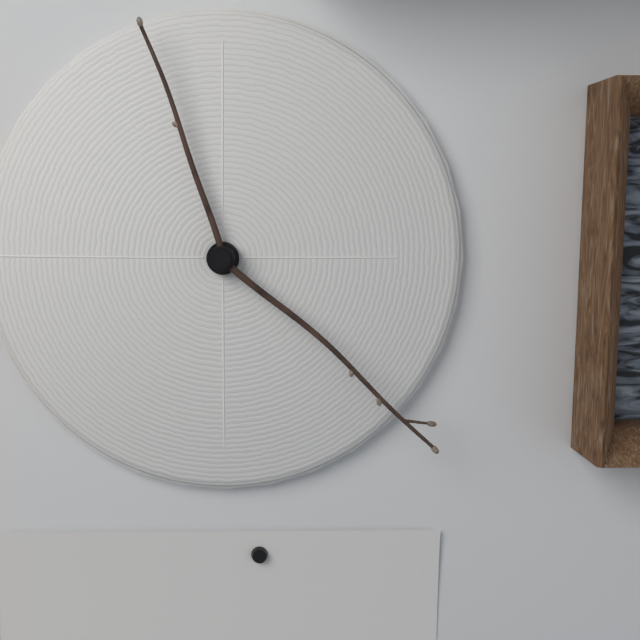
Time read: 11h22
